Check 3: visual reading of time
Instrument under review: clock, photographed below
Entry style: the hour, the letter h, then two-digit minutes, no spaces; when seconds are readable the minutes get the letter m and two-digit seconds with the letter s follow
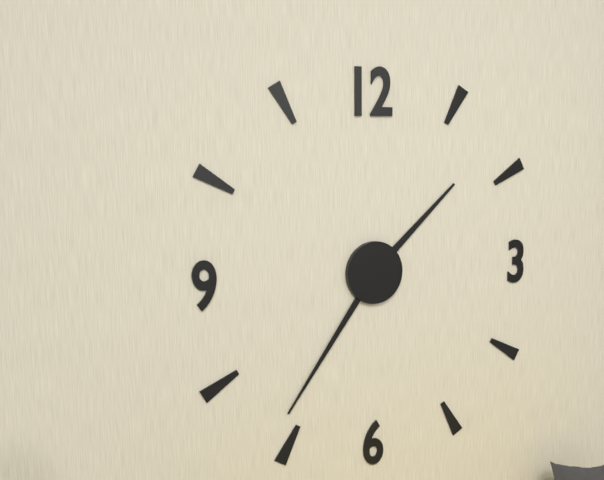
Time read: 1h36
